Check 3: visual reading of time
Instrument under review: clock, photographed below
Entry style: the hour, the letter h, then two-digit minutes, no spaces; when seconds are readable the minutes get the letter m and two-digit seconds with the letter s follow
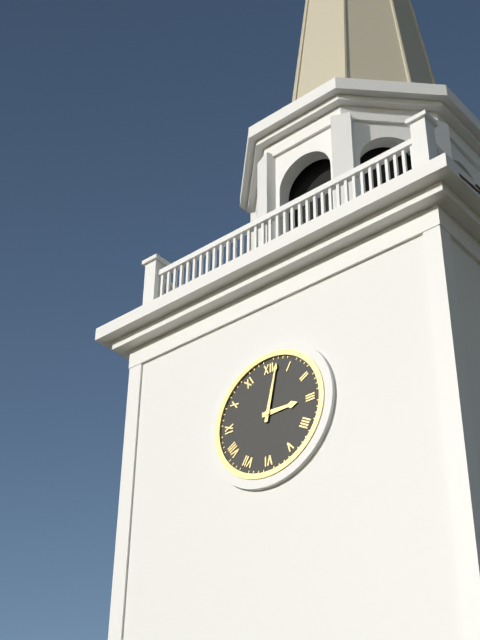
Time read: 3h02
